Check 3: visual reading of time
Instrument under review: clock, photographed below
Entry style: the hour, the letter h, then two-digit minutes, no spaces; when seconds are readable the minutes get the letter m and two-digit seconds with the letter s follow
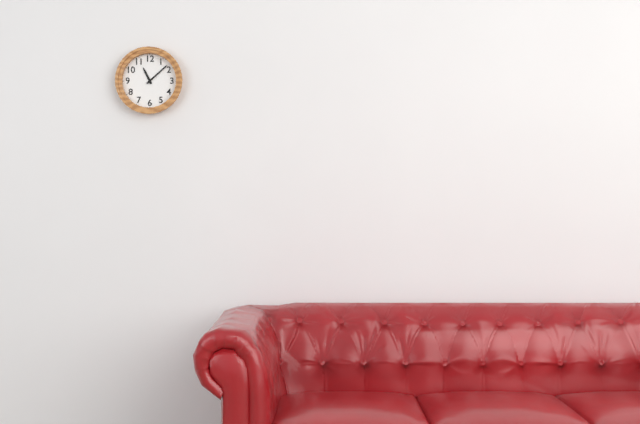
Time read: 11h08
